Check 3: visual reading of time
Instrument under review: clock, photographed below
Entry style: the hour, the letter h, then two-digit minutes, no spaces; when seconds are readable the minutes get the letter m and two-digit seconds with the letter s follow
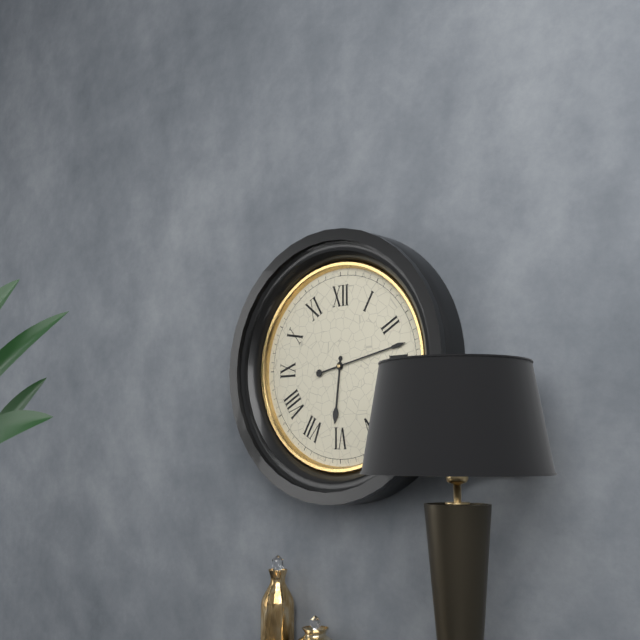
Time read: 6h13
